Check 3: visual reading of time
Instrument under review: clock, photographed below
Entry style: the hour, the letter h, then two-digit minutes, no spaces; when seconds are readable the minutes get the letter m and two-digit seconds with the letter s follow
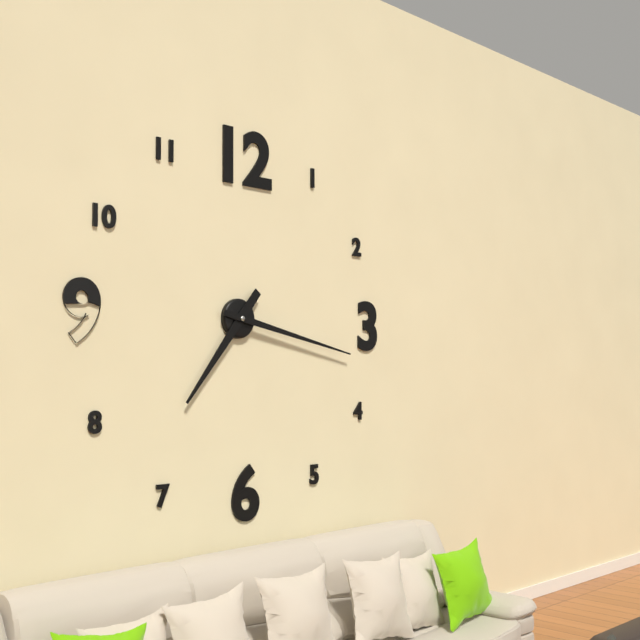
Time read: 7h17
